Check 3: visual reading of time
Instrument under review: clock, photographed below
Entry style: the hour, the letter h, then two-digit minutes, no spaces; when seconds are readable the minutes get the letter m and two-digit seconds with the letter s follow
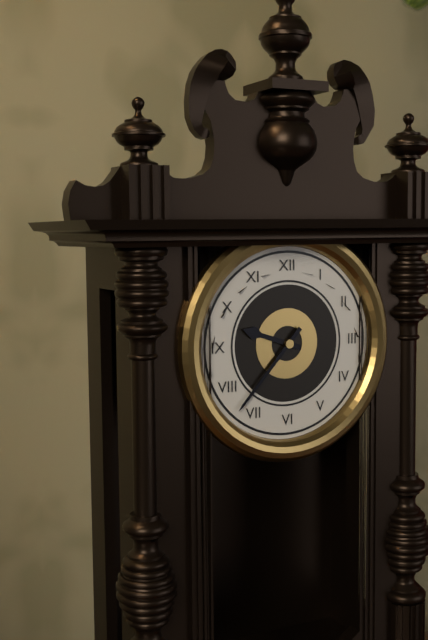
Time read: 9h37
